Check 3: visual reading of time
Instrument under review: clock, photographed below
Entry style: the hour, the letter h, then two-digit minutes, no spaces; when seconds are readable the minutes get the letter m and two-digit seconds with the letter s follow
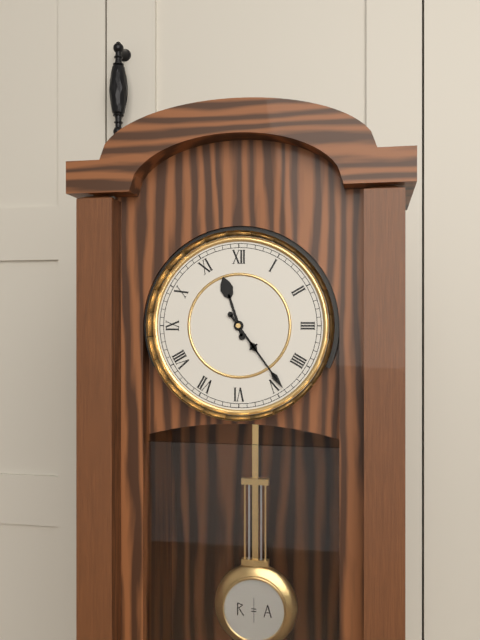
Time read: 11h24
